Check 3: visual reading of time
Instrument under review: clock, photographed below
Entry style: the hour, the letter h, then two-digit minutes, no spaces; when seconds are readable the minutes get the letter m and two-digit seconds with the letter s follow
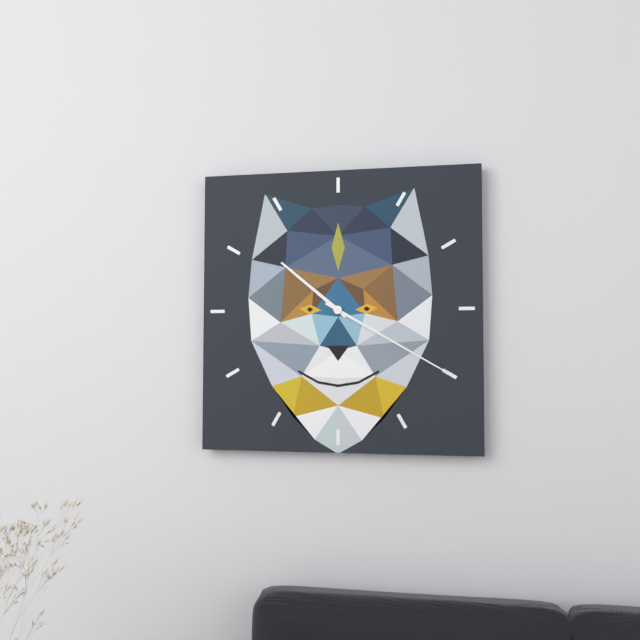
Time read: 10h20
